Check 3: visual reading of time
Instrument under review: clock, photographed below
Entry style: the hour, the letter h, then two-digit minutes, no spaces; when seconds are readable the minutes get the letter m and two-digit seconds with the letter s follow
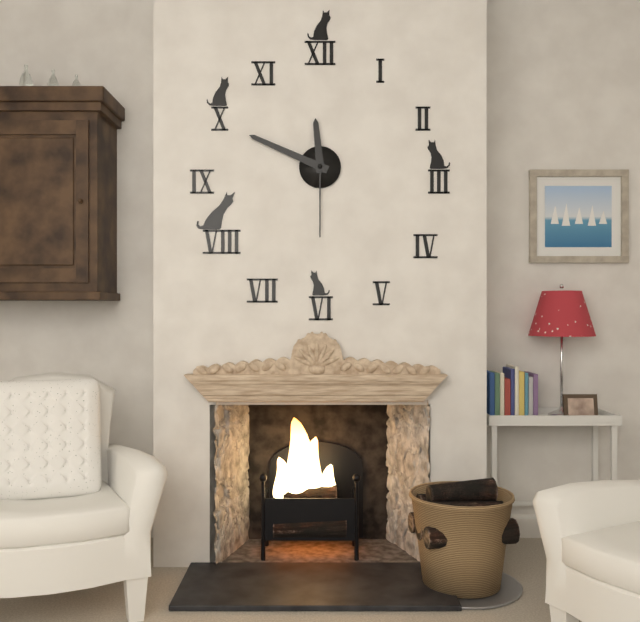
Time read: 11h49m30s
